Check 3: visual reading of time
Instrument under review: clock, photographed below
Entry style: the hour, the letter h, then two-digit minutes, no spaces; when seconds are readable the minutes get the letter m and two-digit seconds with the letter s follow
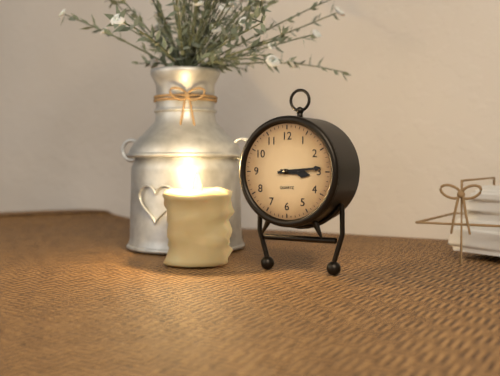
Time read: 3h14
